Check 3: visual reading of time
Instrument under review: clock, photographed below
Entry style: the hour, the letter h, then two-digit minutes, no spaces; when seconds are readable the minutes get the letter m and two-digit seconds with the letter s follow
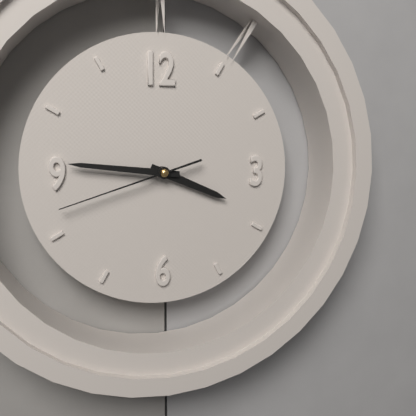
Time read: 3h46m42s
